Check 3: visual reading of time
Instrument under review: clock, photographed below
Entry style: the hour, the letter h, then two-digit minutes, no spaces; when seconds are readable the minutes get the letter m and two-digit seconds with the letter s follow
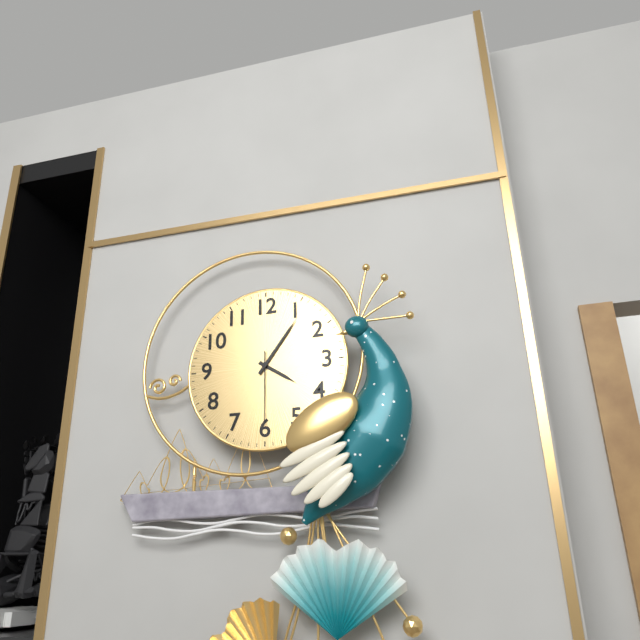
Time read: 4h06m30s
